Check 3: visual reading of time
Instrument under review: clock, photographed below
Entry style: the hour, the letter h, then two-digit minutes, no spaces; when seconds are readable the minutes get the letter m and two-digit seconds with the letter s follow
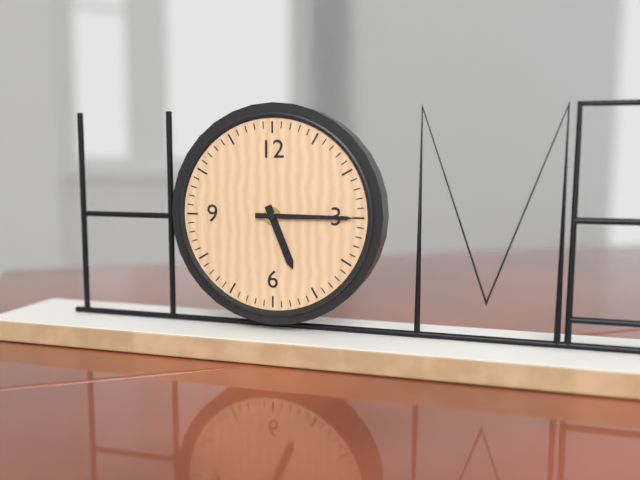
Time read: 5h15
